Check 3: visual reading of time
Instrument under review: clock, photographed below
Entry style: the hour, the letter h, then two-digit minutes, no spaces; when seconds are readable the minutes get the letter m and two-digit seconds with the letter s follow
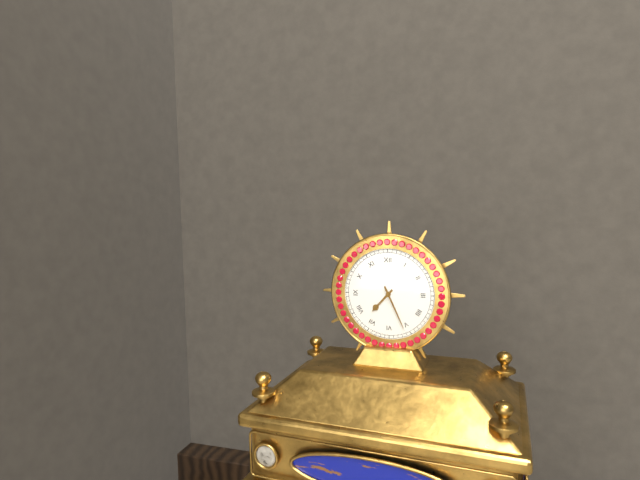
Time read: 7h26
